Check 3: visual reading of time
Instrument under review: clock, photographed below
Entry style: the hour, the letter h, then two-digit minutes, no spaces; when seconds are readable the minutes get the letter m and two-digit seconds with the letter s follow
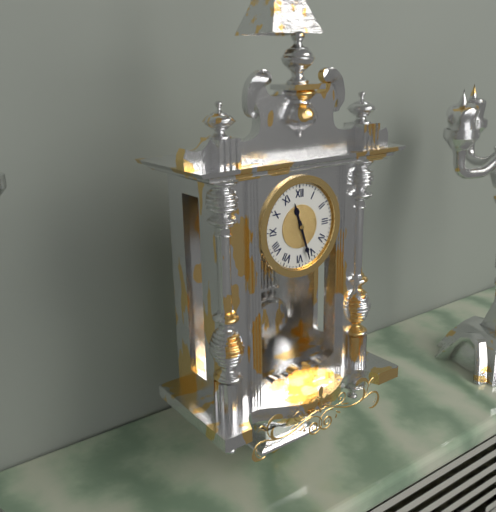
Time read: 11h27
